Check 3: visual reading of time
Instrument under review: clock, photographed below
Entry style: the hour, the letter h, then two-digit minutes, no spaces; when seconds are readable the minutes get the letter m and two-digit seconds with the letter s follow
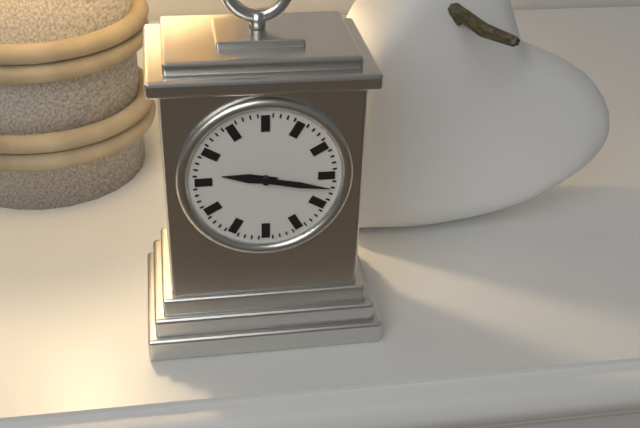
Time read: 9h17
